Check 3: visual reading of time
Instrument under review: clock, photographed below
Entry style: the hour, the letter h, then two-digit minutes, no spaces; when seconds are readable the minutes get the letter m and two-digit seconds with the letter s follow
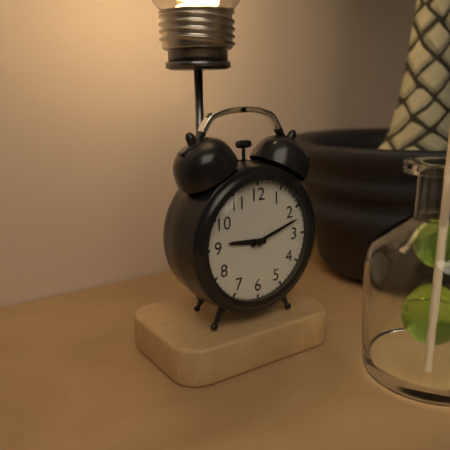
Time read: 9h12
